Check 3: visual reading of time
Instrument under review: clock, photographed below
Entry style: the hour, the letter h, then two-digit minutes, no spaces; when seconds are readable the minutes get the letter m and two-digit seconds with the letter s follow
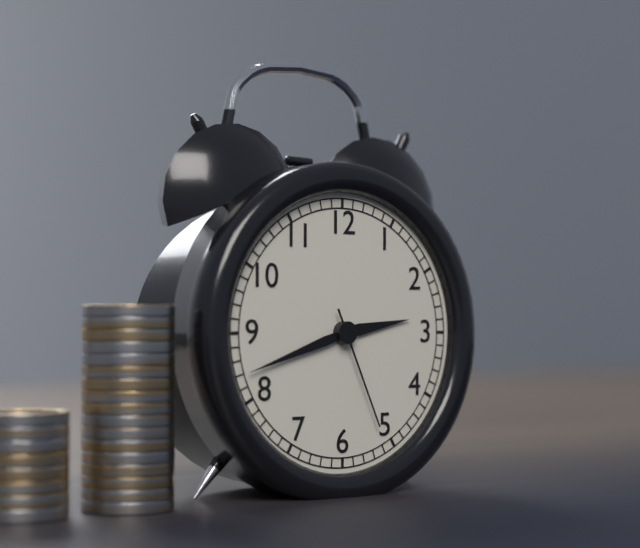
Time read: 2h42m26s
